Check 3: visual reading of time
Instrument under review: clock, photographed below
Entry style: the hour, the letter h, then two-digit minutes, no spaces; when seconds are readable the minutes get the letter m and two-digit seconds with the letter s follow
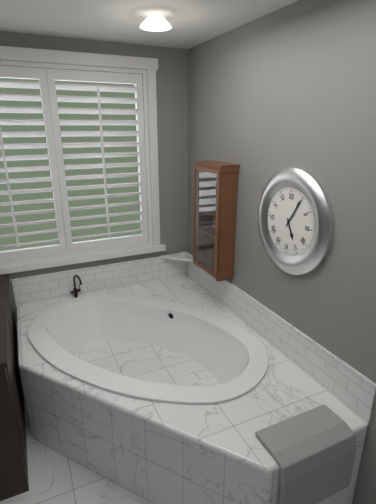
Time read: 5h05
